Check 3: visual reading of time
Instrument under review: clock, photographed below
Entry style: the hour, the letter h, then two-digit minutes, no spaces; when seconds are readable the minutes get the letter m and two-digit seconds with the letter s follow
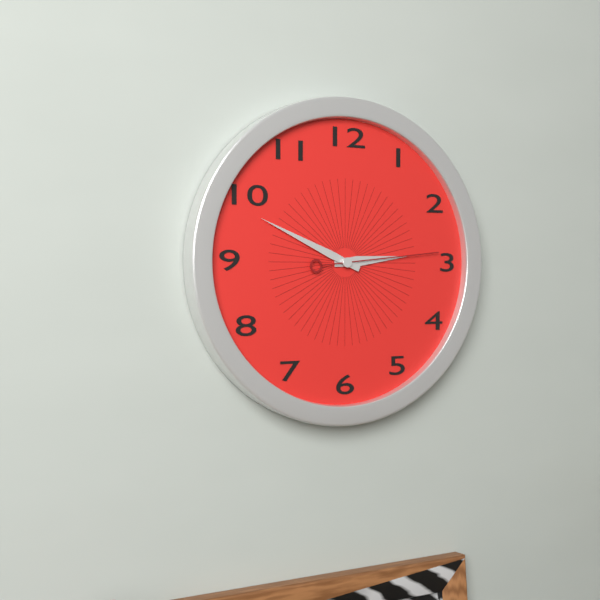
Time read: 2h49m14s
